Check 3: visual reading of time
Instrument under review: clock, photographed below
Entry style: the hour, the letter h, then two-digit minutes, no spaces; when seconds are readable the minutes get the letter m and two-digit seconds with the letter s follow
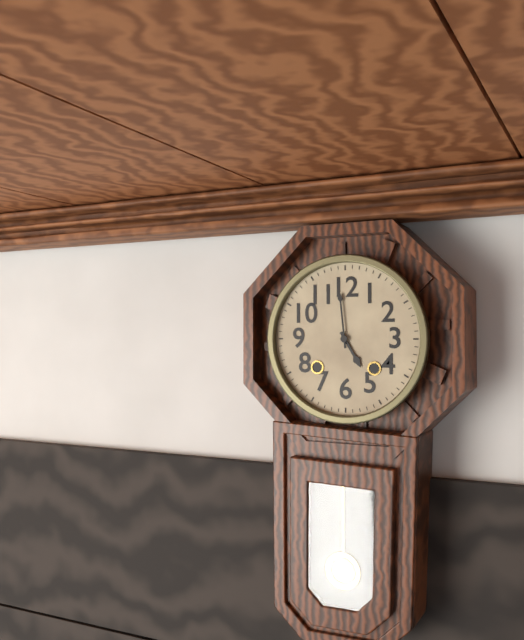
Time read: 4h59
